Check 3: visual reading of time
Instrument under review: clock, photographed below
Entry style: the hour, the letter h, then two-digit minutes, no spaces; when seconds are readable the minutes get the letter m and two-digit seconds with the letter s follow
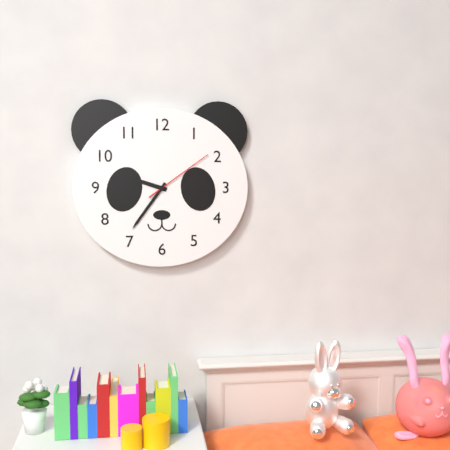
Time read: 9h36m09s
